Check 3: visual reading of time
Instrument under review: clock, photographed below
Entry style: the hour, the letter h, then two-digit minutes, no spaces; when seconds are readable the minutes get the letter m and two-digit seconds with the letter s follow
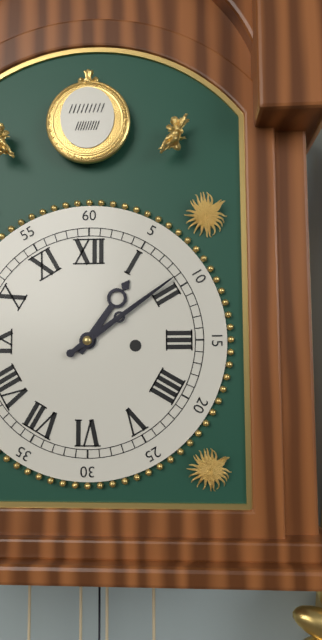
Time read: 1h09
